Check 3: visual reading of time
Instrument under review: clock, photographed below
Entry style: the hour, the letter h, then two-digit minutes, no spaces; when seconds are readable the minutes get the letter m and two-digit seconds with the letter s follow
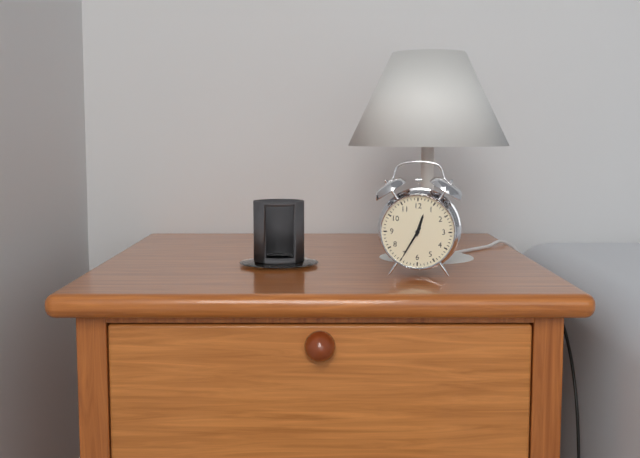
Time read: 12h35
